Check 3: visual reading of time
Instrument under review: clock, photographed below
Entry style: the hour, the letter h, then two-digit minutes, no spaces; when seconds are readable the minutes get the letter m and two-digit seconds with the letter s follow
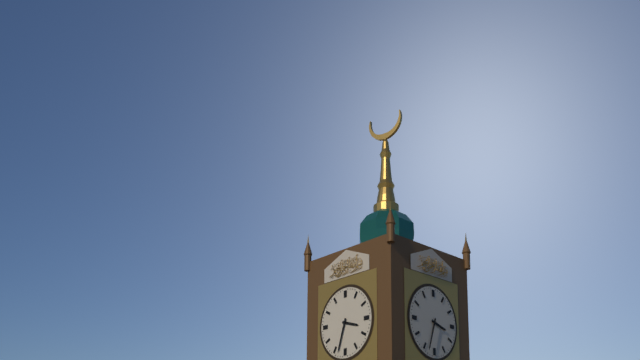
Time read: 3h33
